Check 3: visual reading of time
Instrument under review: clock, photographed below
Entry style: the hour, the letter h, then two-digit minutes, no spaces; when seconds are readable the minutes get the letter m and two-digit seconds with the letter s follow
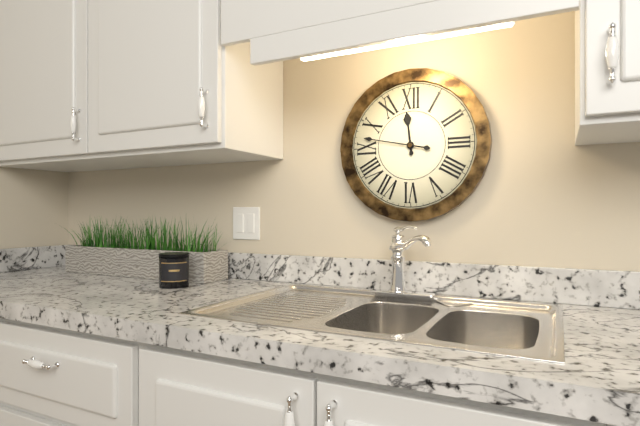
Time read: 11h47
